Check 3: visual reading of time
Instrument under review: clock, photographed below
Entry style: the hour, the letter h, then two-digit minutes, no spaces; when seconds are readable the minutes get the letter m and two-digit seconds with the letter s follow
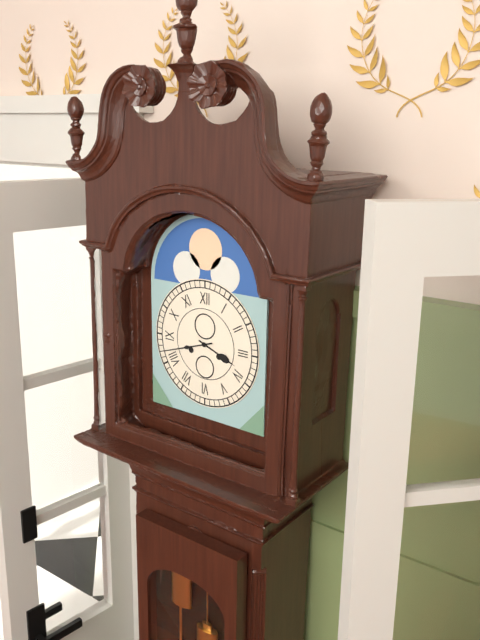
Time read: 3h42
